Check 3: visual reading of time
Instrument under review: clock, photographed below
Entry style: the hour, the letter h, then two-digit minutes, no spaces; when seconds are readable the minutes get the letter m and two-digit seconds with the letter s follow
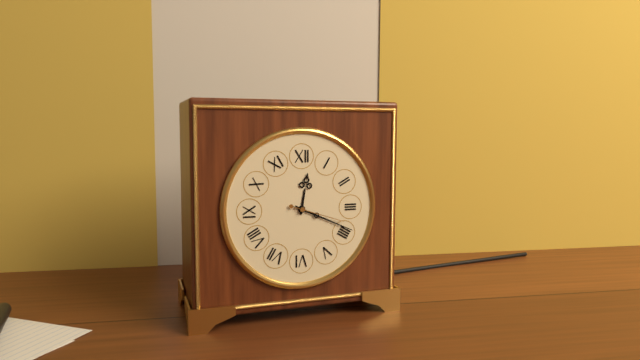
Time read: 12h19m18s
